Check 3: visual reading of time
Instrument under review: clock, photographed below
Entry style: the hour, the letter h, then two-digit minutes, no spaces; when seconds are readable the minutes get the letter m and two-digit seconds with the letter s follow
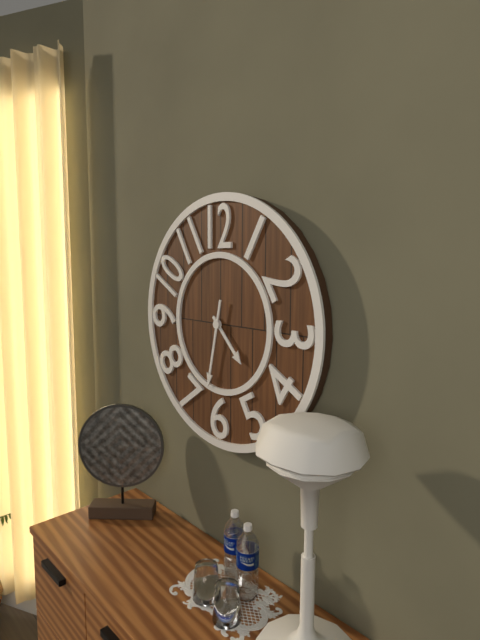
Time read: 4h32
